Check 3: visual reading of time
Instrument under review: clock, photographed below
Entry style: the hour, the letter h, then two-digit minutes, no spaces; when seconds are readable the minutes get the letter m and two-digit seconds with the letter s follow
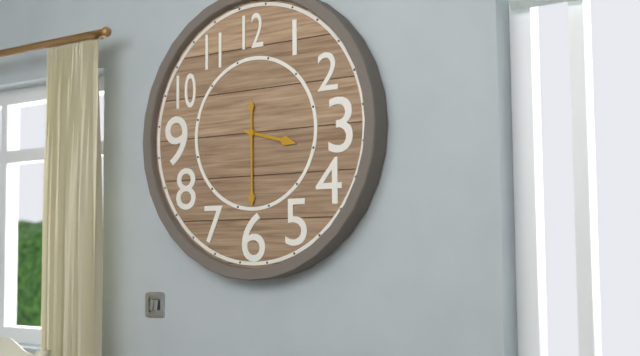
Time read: 3h30
